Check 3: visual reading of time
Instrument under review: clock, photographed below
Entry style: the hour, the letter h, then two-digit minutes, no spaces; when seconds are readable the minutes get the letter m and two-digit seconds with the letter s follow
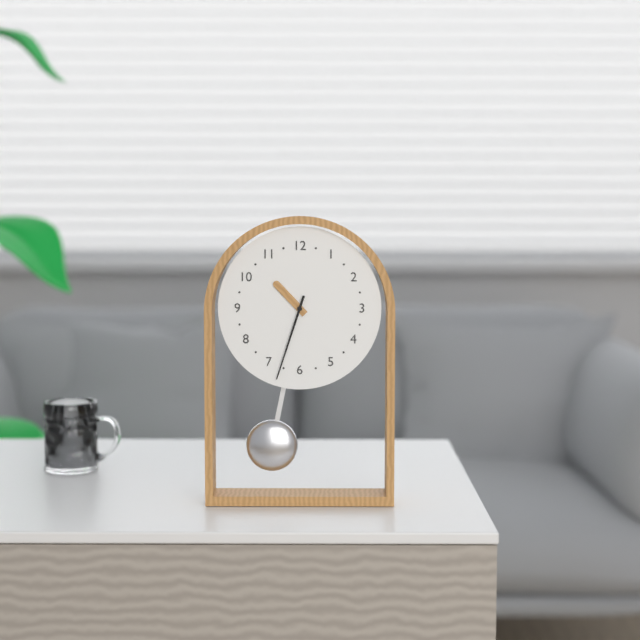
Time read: 10h33
